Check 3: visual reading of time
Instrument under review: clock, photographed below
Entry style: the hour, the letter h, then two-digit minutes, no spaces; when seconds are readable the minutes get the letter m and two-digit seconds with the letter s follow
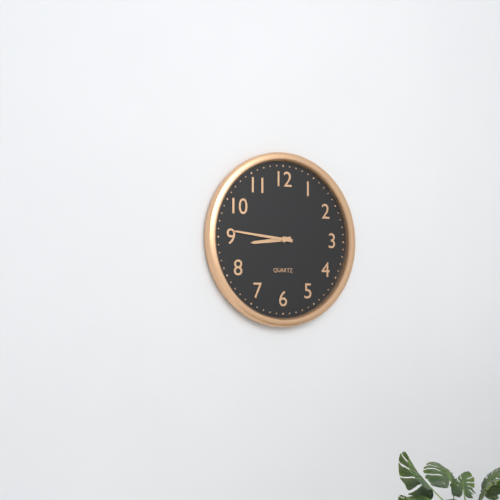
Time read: 8h46
